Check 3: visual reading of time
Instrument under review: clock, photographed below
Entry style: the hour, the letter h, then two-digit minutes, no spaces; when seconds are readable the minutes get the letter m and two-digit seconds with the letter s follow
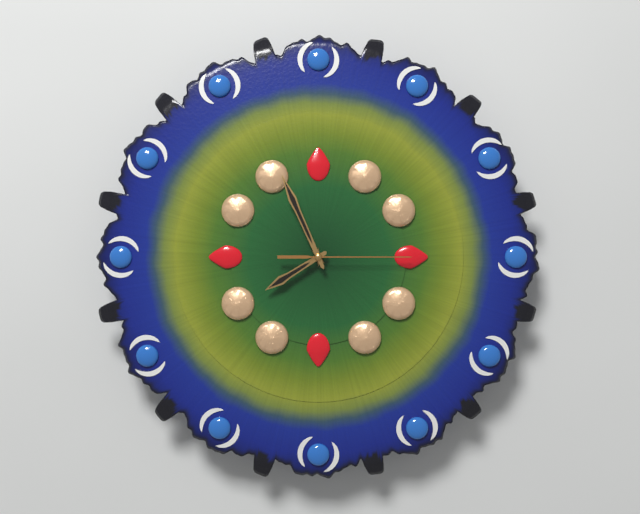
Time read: 7h56m15s
